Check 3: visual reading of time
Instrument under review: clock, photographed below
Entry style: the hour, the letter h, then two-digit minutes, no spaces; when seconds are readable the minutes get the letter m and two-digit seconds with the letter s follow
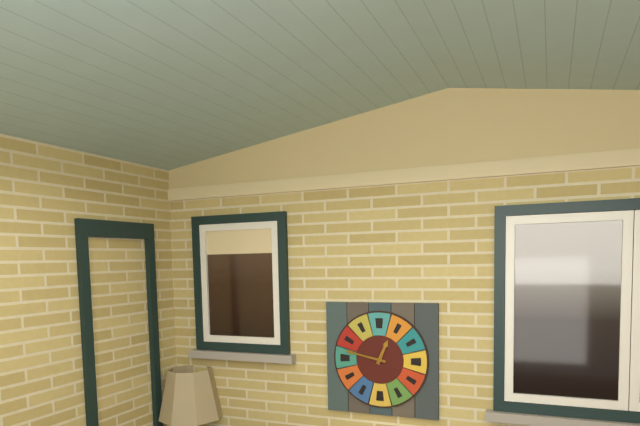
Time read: 12h47
